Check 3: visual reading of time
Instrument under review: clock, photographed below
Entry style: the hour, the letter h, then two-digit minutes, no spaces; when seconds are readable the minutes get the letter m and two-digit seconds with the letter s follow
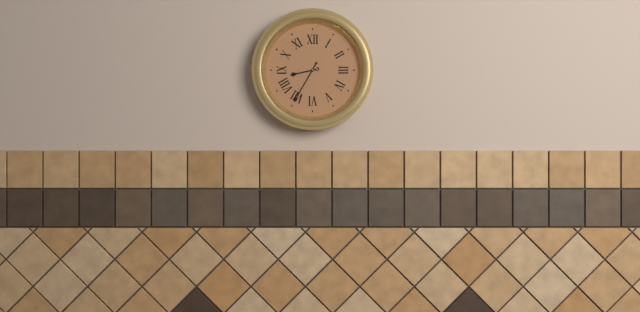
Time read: 8h35
